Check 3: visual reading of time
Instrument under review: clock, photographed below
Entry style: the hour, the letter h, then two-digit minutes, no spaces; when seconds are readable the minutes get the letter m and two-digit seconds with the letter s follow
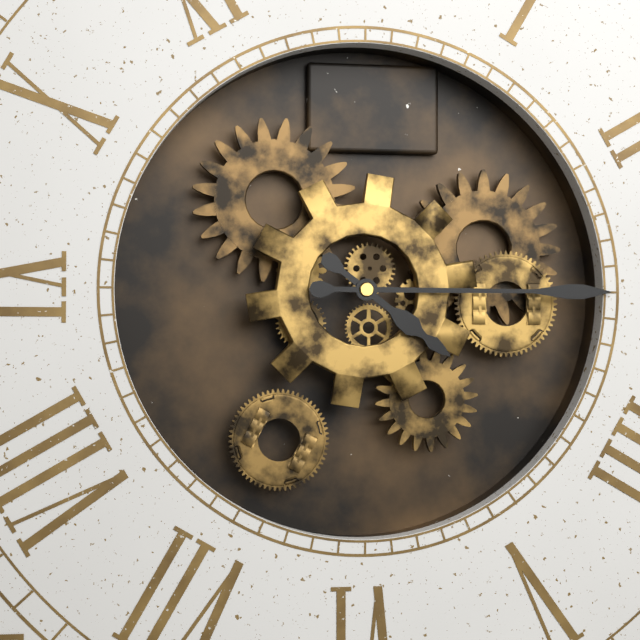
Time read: 4h15
